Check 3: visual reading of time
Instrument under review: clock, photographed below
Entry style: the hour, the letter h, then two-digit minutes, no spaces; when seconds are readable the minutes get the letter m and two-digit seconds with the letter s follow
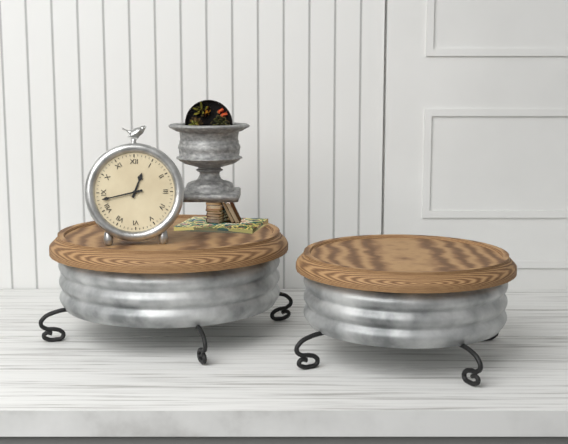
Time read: 12h43
